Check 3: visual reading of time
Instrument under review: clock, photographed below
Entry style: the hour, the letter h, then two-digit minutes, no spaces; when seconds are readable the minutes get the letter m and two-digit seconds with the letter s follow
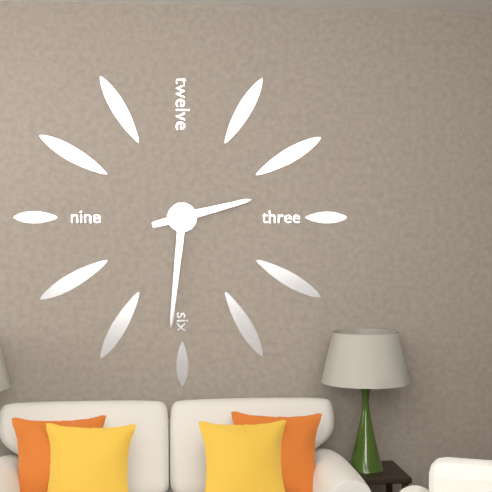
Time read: 2h31
